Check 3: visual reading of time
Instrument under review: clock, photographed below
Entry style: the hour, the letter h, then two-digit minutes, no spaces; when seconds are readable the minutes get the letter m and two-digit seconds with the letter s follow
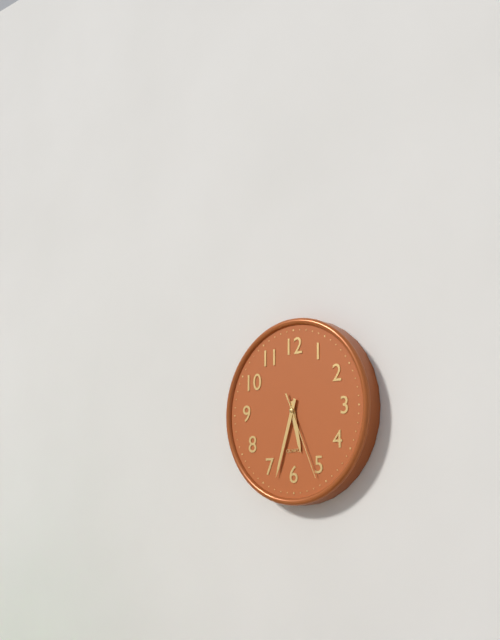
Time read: 5h33m26s
